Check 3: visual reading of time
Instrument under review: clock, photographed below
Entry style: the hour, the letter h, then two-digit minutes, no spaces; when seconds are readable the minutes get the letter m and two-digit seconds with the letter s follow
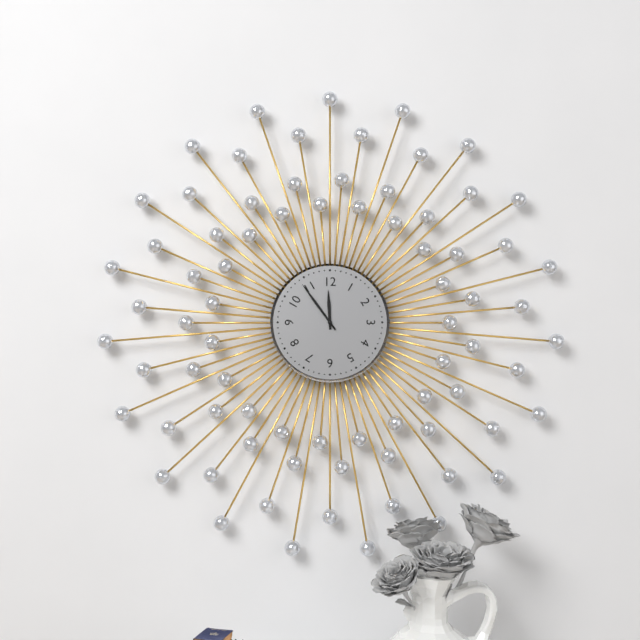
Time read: 11h54
